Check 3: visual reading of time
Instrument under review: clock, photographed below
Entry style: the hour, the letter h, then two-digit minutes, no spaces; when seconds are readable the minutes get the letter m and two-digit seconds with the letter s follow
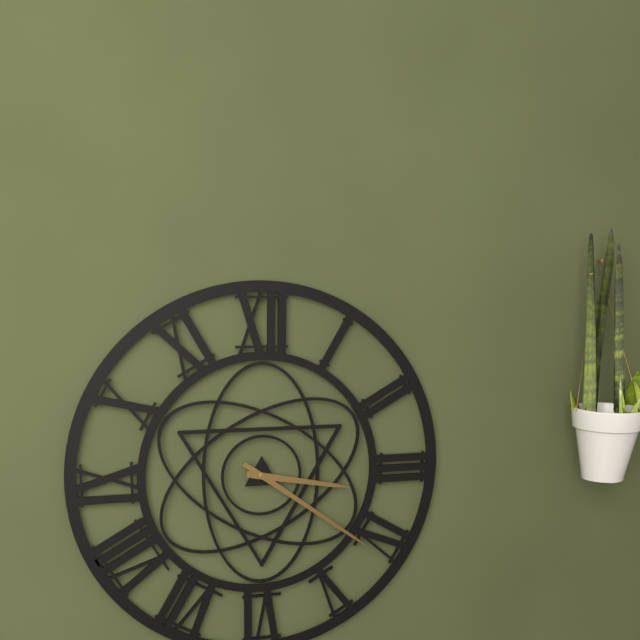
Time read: 3h21
